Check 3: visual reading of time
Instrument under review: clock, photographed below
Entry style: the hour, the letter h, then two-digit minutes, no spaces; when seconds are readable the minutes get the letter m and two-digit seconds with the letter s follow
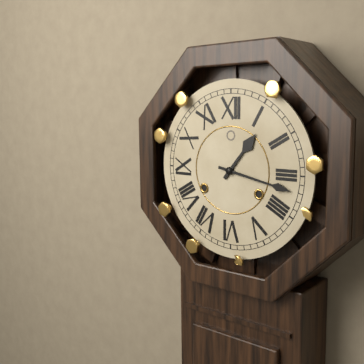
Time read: 1h17
